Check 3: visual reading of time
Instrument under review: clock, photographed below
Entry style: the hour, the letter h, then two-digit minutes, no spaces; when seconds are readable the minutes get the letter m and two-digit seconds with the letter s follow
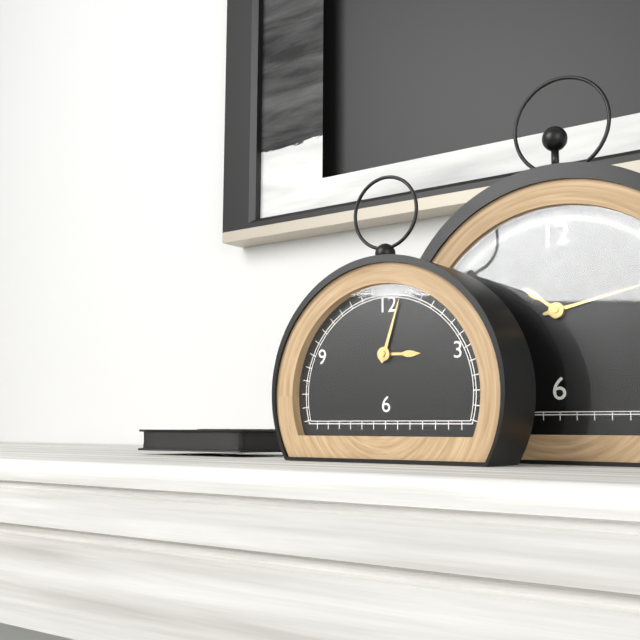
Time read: 3h03
